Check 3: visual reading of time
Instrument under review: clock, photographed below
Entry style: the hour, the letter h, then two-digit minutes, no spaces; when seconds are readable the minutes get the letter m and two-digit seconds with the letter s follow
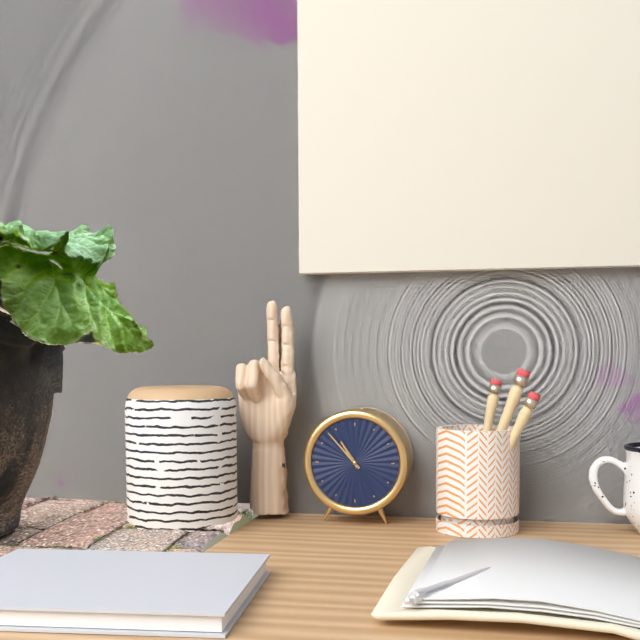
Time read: 10h53
